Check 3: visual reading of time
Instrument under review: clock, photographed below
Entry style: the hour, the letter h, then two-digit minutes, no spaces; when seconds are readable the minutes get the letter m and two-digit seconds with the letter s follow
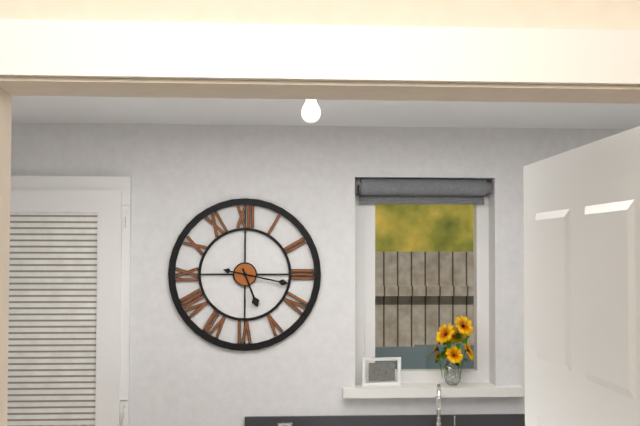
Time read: 5h17
